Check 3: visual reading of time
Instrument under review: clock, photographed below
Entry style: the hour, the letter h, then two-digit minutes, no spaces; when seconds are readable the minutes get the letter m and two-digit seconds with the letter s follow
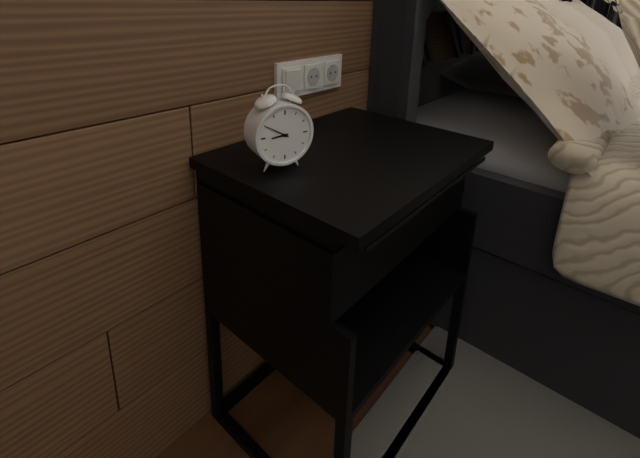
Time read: 8h50
